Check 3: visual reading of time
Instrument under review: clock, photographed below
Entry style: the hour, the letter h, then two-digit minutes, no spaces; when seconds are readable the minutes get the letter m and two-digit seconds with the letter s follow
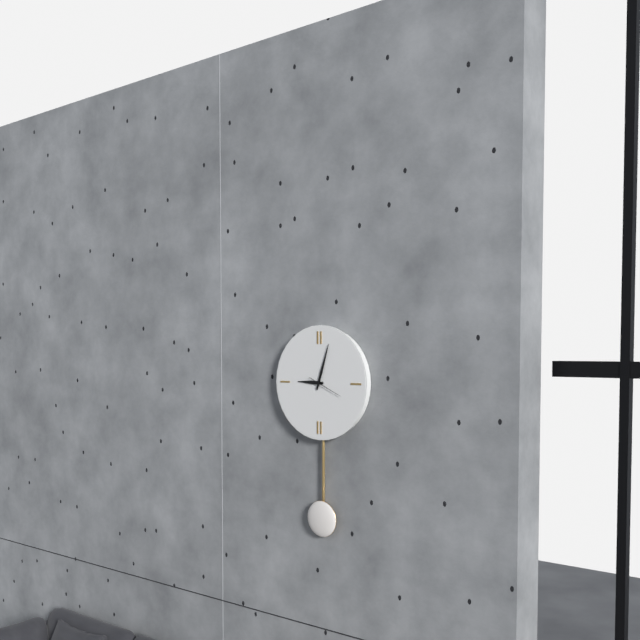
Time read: 9h03
